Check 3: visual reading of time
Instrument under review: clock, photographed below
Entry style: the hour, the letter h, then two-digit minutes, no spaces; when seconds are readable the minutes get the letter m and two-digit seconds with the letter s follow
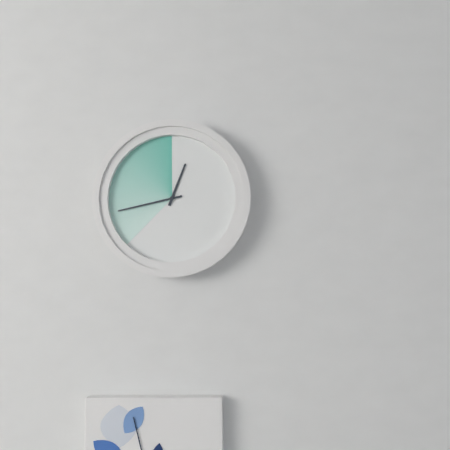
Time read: 12h43
